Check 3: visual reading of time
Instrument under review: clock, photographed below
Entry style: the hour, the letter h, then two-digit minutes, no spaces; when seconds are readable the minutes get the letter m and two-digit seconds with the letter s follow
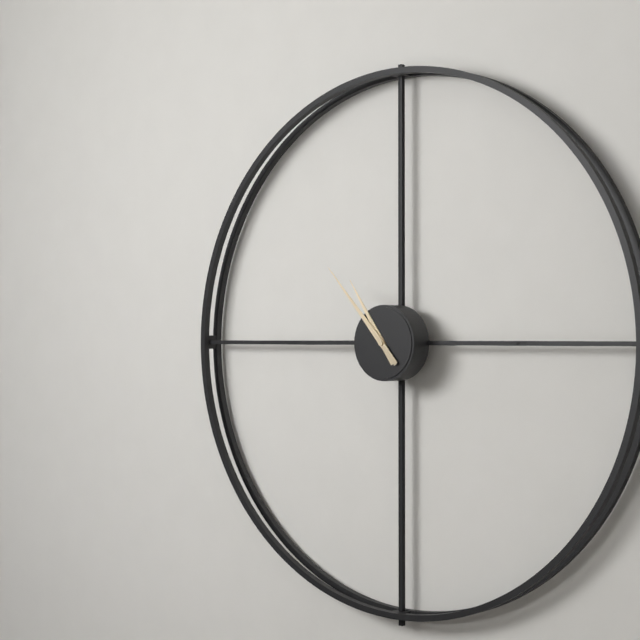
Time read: 10h53
